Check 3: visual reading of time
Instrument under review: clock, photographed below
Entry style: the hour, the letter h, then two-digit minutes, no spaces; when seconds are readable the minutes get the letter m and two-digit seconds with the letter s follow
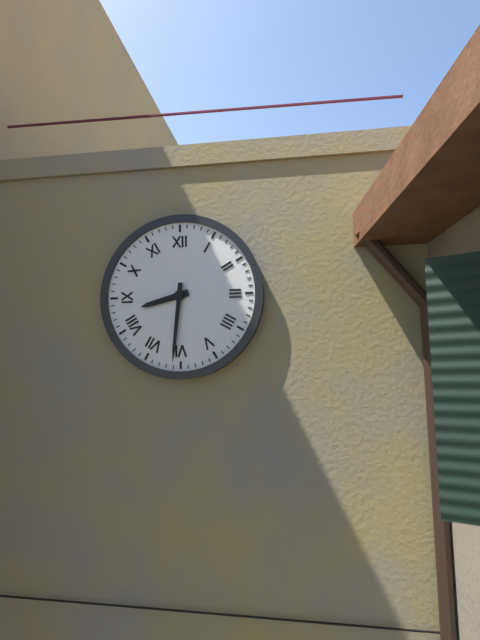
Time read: 8h31
